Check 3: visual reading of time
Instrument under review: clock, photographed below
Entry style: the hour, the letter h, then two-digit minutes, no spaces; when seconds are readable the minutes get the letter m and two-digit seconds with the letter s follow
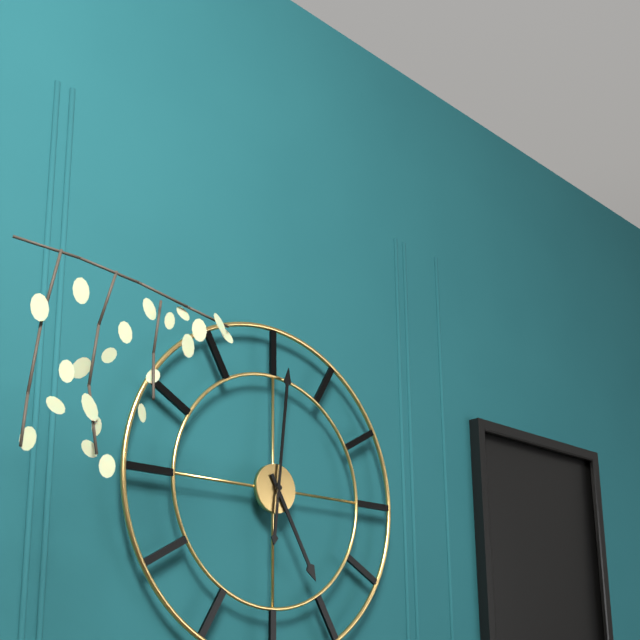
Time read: 5h01
